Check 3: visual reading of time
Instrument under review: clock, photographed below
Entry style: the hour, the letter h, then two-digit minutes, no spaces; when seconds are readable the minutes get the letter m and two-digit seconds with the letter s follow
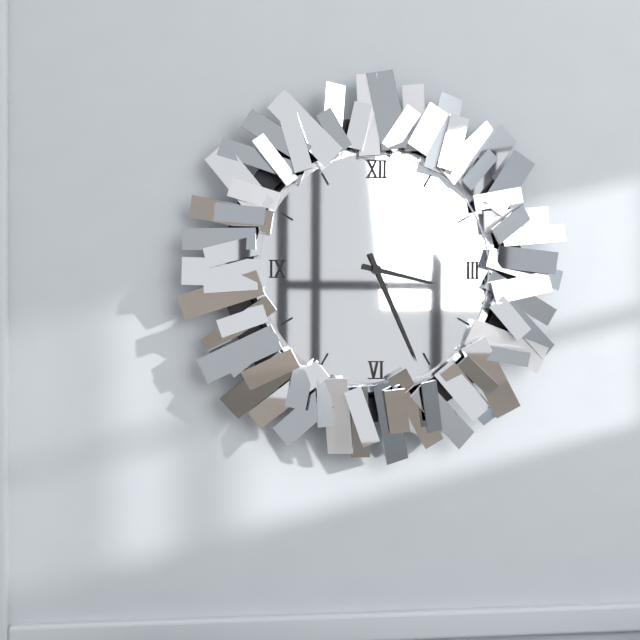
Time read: 3h26
